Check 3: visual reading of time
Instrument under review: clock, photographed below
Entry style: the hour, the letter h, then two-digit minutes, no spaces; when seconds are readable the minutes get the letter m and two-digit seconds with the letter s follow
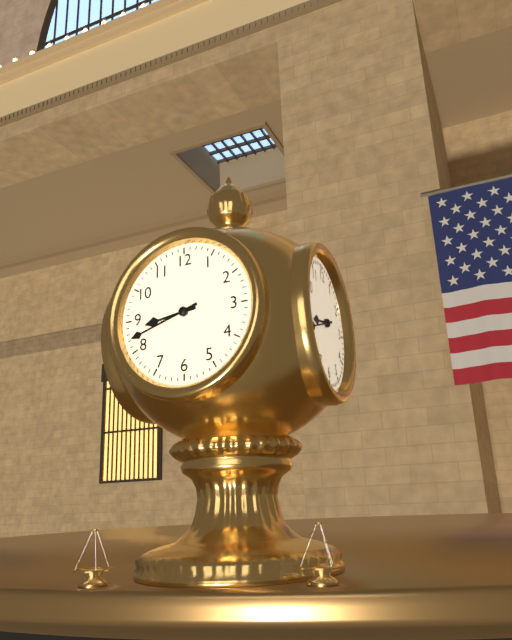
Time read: 8h42
